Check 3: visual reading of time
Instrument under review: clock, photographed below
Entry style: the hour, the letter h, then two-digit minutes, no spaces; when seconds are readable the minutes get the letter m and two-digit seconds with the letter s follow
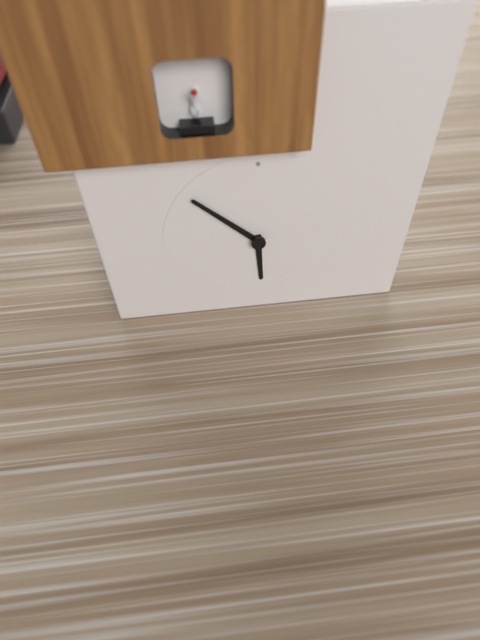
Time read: 5h52
